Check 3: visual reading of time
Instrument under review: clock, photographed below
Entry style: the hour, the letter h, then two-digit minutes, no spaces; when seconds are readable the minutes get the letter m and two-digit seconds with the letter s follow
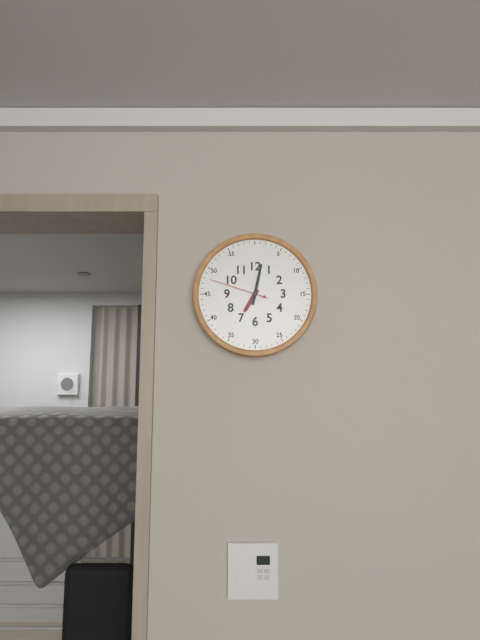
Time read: 7h02m48s
